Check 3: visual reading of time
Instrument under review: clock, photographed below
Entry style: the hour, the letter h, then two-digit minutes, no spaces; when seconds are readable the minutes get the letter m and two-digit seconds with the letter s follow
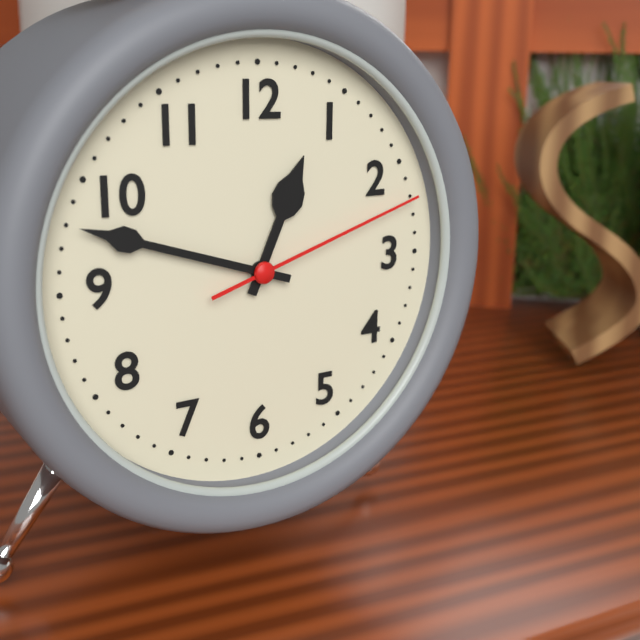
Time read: 12h48m12s
